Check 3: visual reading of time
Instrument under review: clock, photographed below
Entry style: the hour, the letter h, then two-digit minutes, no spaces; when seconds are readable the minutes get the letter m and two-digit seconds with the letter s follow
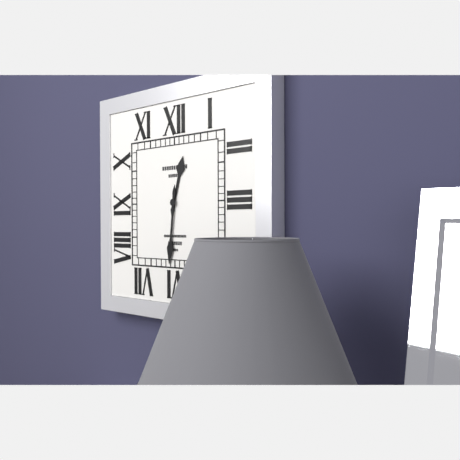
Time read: 12h31
